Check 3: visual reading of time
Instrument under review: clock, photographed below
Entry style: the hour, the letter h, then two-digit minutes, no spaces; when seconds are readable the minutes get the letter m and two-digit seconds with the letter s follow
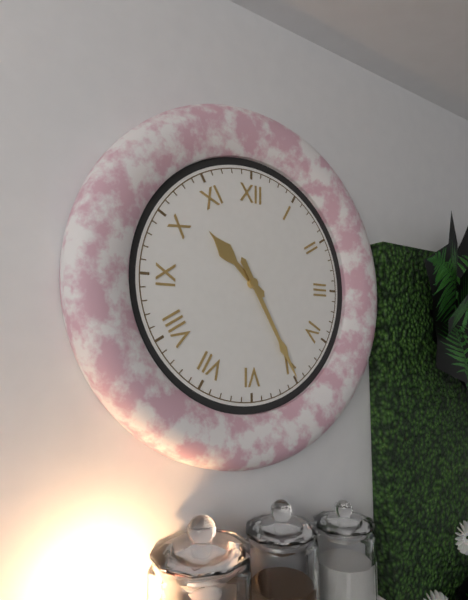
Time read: 10h25
